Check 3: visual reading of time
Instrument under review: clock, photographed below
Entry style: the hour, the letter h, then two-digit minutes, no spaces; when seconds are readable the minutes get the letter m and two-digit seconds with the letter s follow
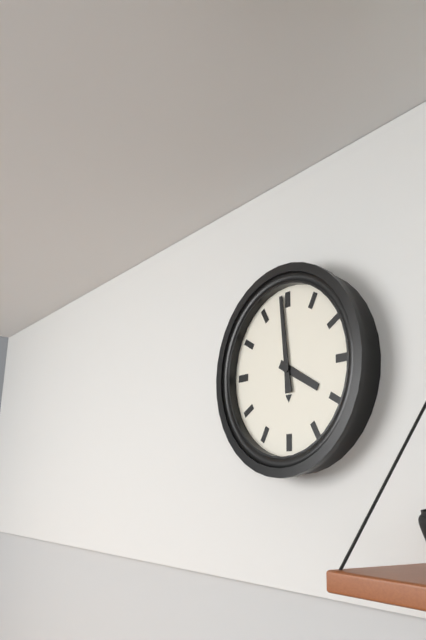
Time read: 3h59
